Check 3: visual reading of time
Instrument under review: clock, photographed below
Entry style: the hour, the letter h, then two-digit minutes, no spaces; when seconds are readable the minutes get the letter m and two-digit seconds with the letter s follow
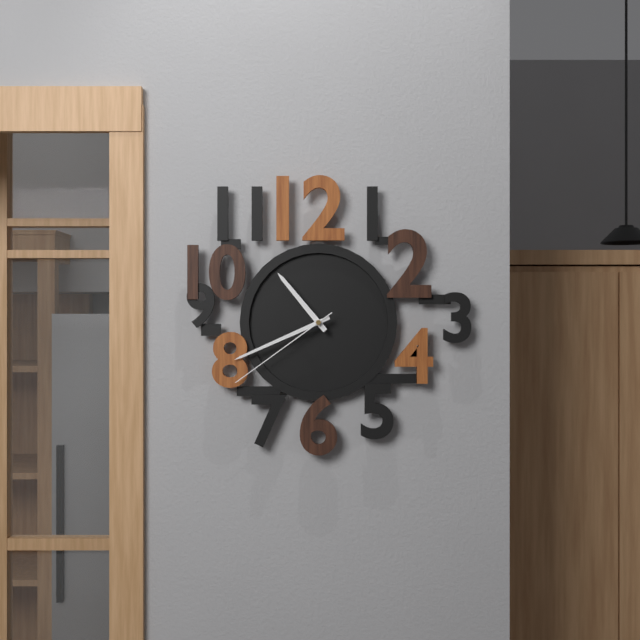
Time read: 10h41m39s
